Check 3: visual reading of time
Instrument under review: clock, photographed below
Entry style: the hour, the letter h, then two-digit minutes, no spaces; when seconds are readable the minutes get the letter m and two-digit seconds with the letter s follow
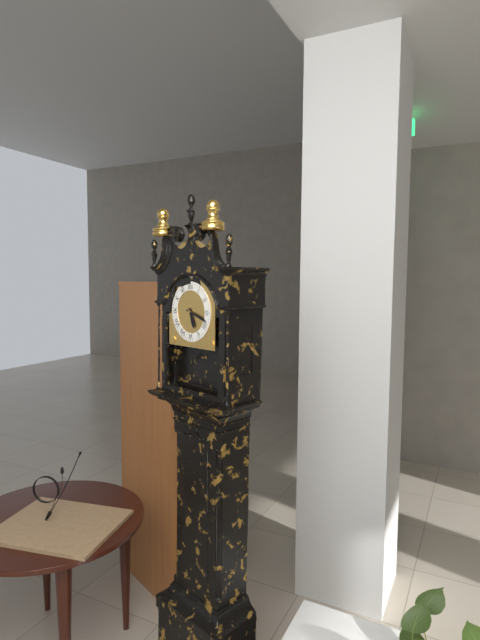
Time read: 5h18
